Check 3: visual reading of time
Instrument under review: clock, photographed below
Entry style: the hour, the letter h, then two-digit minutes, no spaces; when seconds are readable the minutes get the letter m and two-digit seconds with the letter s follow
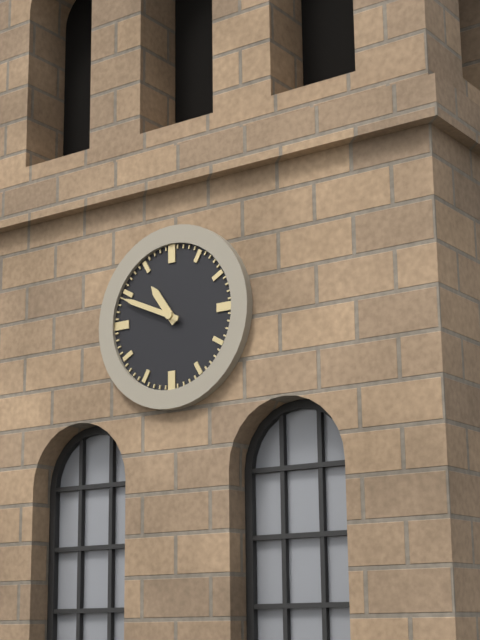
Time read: 10h49
